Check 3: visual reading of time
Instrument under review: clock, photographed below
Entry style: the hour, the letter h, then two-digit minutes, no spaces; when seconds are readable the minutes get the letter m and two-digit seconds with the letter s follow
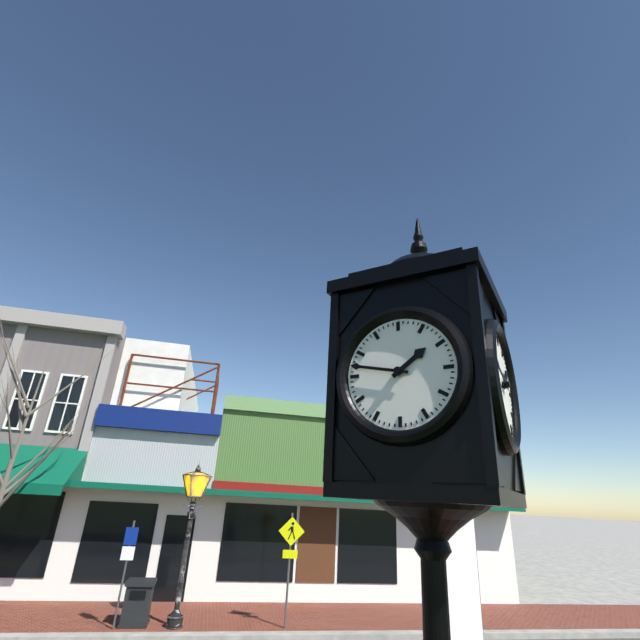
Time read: 1h47
